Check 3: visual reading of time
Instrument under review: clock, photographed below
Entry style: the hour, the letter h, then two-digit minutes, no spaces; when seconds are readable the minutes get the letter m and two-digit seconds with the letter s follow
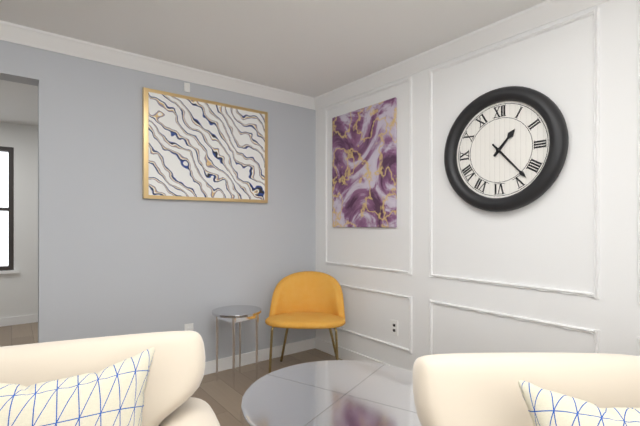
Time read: 1h23
